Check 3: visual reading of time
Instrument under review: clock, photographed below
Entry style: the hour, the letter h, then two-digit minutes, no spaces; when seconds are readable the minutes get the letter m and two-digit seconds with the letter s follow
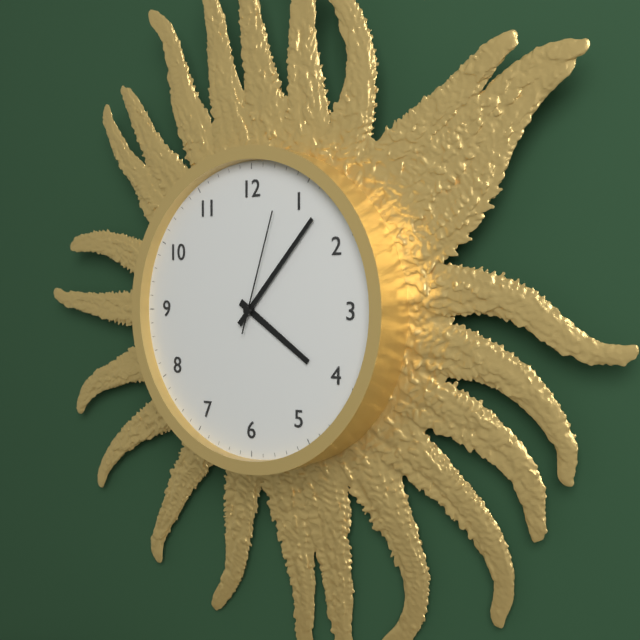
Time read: 4h07m03s
